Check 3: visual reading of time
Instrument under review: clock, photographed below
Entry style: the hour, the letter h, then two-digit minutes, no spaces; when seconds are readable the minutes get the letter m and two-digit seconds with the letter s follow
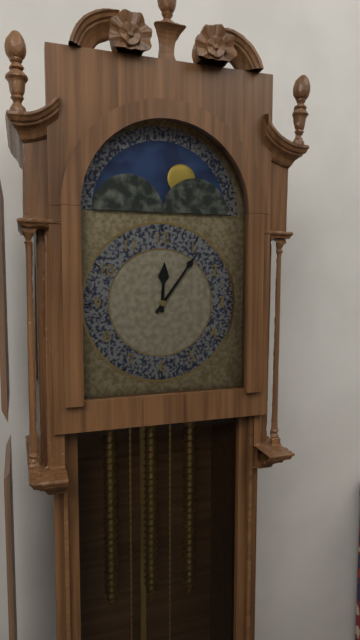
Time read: 12h06
